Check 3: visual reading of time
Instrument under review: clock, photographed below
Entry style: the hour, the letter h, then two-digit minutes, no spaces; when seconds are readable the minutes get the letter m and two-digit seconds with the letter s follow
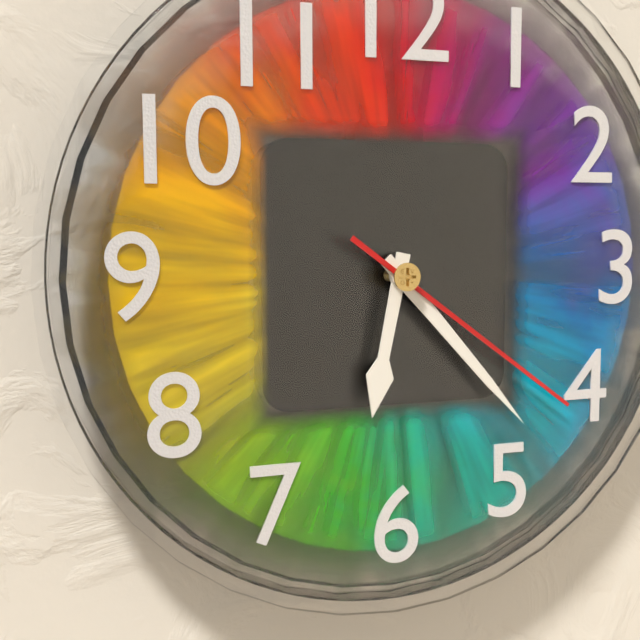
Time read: 6h23m21s
